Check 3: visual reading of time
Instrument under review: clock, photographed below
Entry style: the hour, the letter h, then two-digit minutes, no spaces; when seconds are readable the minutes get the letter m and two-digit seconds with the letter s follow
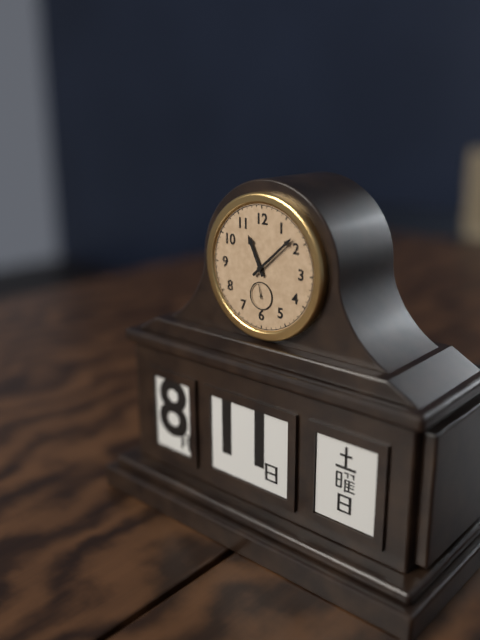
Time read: 11h08
